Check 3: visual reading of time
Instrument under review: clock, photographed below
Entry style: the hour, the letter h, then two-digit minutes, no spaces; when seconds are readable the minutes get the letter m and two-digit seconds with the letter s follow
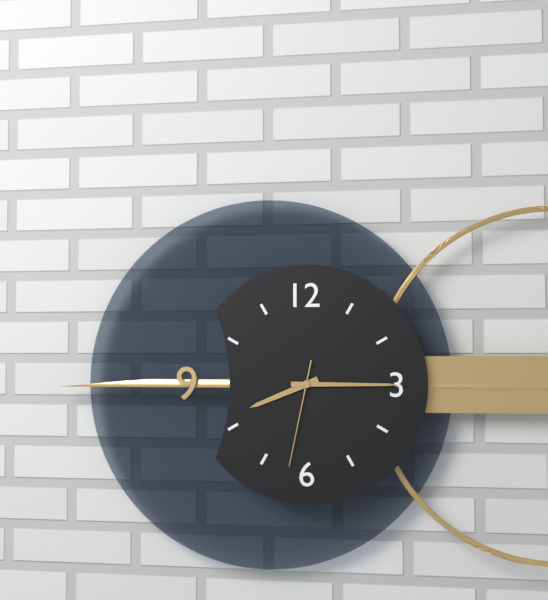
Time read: 8h15m32s
